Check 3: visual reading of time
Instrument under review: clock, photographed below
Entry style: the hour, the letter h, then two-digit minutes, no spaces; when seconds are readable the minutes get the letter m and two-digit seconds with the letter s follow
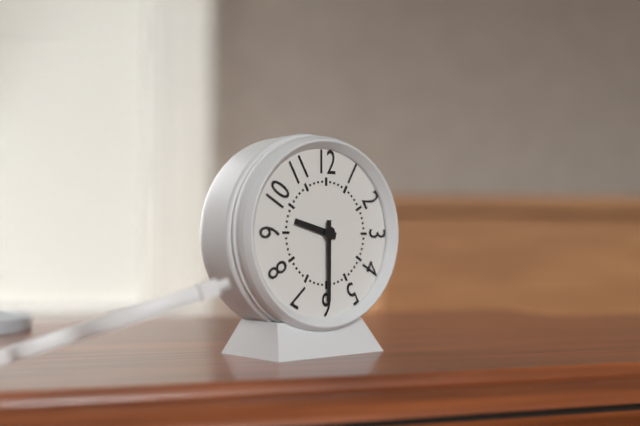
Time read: 9h30
